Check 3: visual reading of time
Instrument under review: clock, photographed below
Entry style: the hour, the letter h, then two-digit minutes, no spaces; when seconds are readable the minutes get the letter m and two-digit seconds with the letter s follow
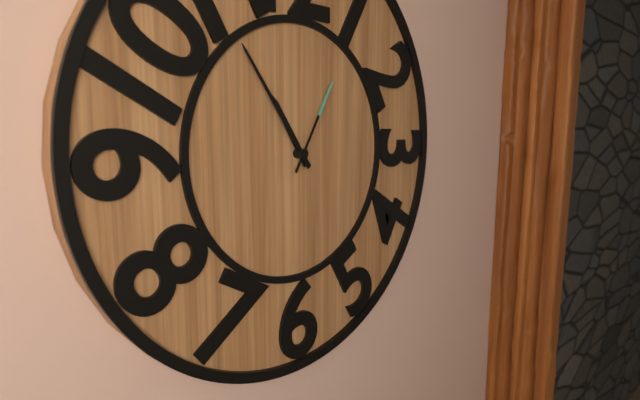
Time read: 10h54m05s
